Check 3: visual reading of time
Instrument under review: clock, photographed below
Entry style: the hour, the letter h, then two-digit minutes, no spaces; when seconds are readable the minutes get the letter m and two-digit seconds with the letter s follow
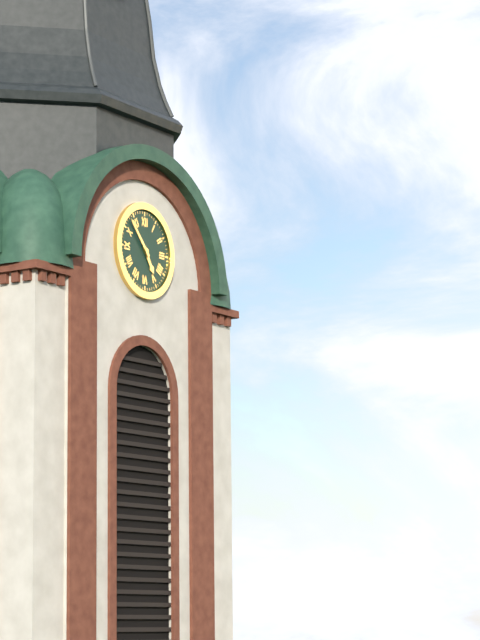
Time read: 4h53
